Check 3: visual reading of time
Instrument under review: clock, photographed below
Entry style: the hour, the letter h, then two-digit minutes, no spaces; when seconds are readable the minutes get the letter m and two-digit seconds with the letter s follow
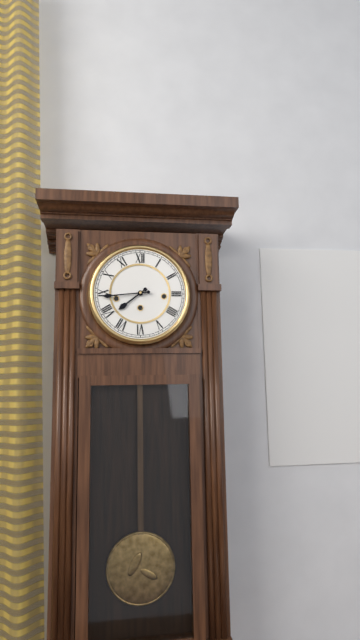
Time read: 7h44
